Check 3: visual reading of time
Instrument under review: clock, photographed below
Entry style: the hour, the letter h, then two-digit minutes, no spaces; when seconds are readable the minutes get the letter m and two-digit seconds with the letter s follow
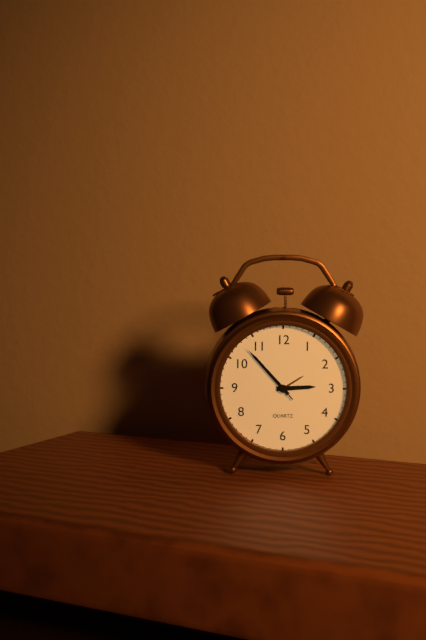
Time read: 2h53m53s
